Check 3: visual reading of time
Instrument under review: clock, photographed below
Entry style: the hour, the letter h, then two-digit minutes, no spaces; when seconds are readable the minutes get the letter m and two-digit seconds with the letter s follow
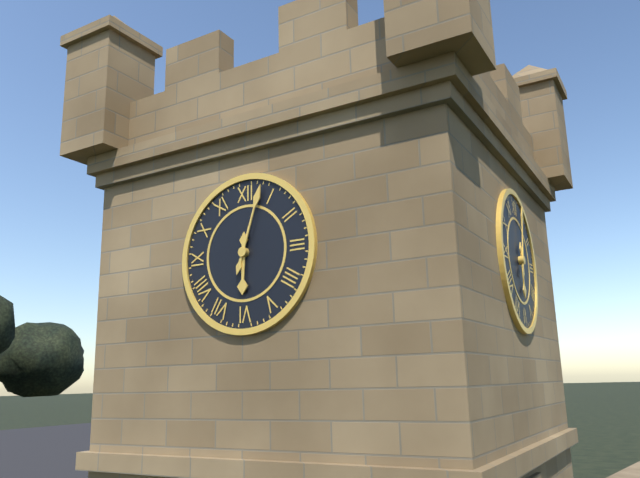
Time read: 6h03
